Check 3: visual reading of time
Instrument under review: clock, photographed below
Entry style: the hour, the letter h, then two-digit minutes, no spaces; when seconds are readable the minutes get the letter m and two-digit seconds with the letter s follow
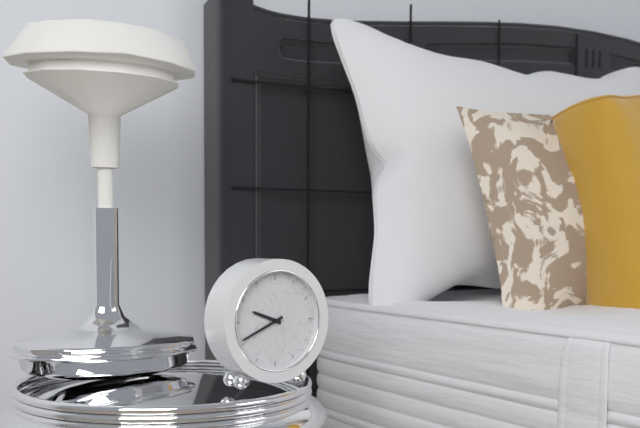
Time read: 9h41
